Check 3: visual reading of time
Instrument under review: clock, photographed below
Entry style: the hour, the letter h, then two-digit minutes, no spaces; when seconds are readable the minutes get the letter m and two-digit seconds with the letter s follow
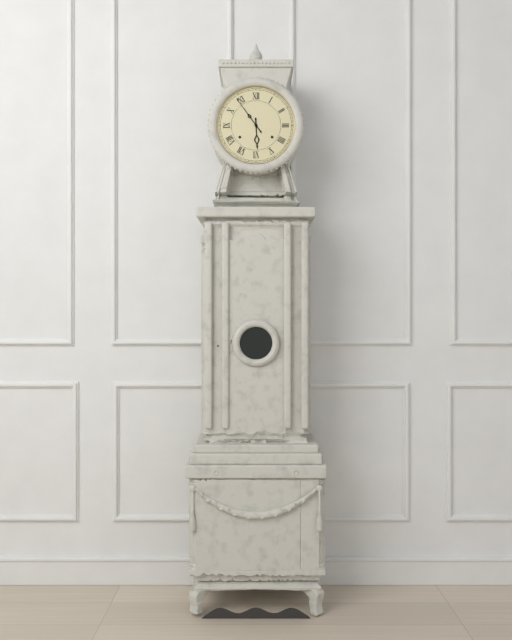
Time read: 5h54
